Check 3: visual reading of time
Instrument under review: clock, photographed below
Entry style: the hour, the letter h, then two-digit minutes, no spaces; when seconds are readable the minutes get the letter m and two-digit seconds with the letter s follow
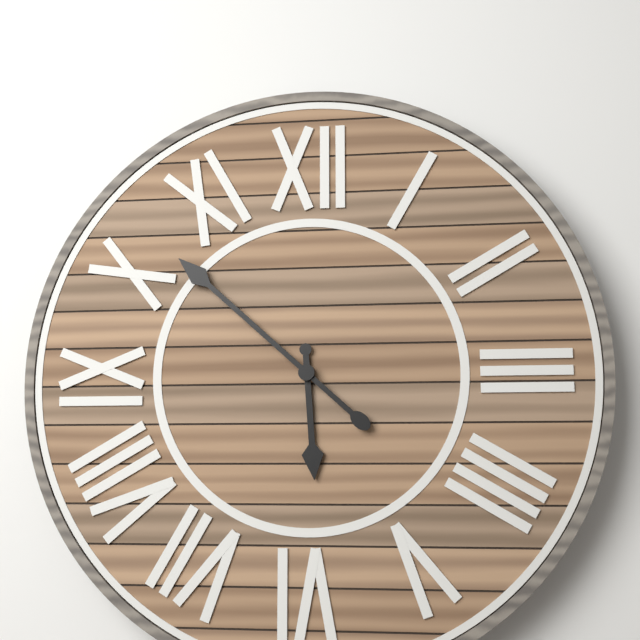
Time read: 5h52
